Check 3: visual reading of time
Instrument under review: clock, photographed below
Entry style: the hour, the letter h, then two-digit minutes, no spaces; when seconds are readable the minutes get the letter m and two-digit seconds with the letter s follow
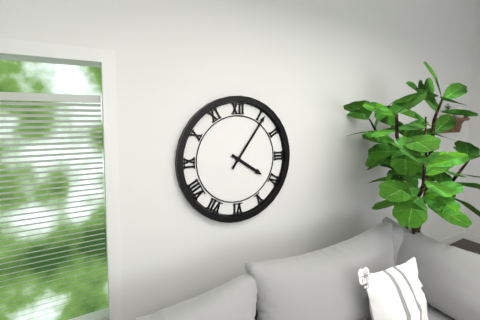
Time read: 4h06
